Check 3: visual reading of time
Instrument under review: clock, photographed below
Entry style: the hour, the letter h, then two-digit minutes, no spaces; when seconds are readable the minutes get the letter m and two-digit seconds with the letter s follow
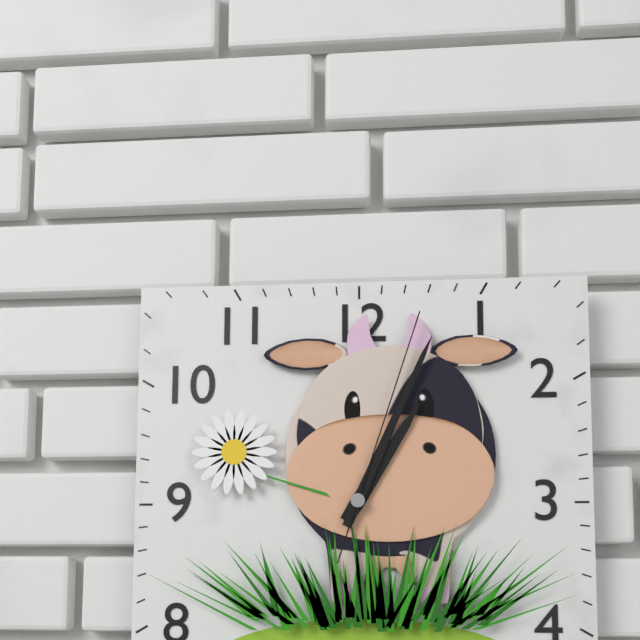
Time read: 1h04m03s
